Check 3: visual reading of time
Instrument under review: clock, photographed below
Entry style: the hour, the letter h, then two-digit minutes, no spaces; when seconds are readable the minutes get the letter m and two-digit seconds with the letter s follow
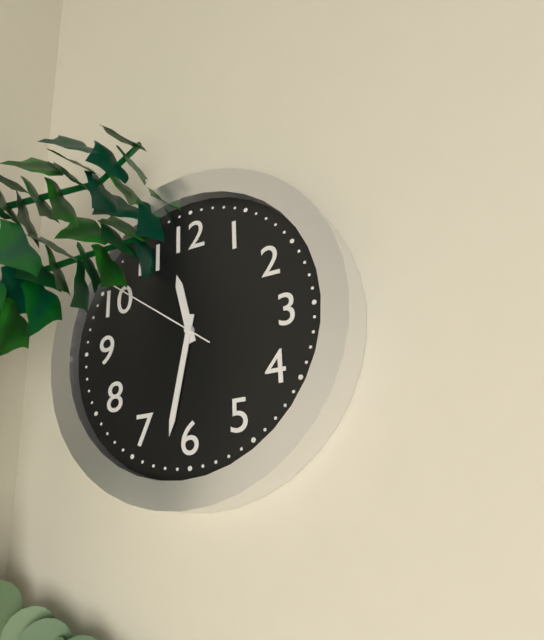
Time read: 11h32m51s
